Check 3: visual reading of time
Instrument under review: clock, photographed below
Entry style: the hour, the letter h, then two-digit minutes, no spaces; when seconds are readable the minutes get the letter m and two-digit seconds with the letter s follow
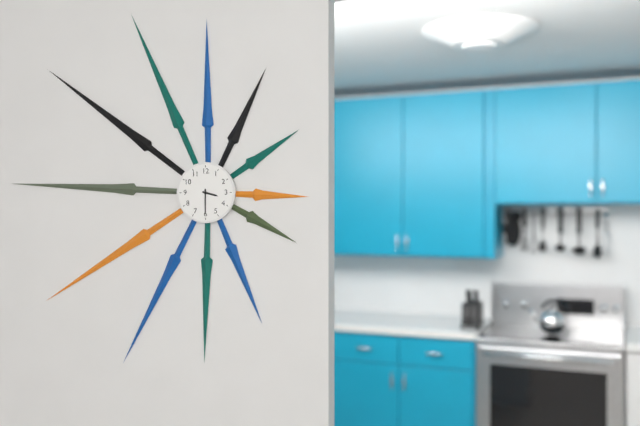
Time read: 3h30
